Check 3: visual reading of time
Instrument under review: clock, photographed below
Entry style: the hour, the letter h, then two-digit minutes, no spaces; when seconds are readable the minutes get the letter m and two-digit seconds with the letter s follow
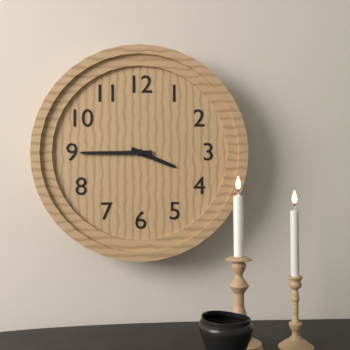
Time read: 3h45
